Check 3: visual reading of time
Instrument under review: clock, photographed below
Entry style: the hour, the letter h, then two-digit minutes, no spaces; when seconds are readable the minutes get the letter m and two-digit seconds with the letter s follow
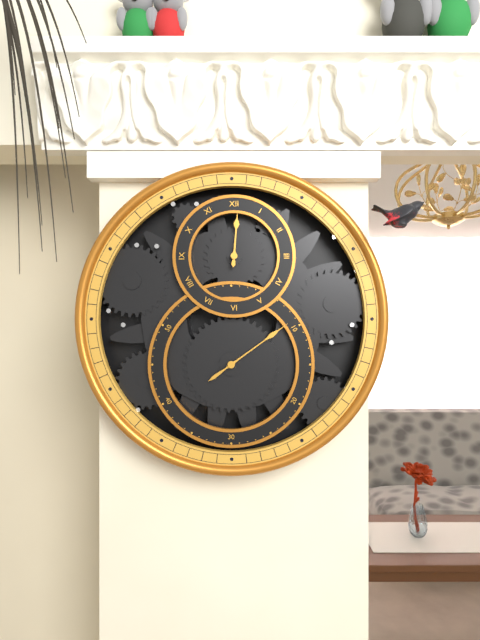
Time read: 12h09
